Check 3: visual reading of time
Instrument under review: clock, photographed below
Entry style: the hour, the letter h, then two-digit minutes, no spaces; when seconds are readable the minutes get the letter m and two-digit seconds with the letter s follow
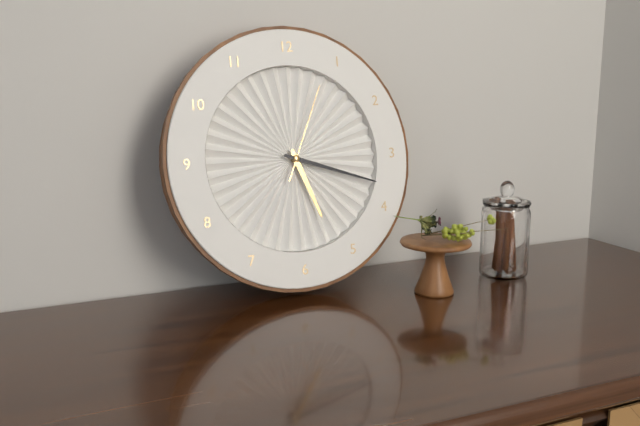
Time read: 5h18m04s
